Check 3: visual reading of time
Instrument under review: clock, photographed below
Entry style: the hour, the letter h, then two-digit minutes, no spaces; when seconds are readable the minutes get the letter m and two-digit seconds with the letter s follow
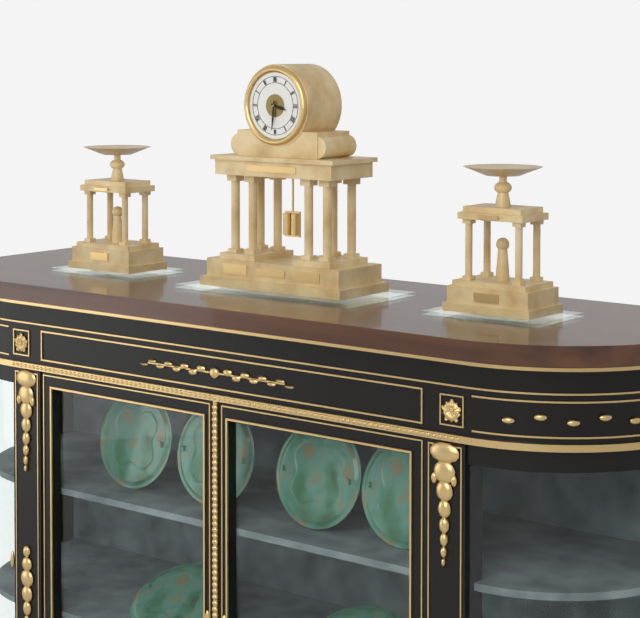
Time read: 3h31
